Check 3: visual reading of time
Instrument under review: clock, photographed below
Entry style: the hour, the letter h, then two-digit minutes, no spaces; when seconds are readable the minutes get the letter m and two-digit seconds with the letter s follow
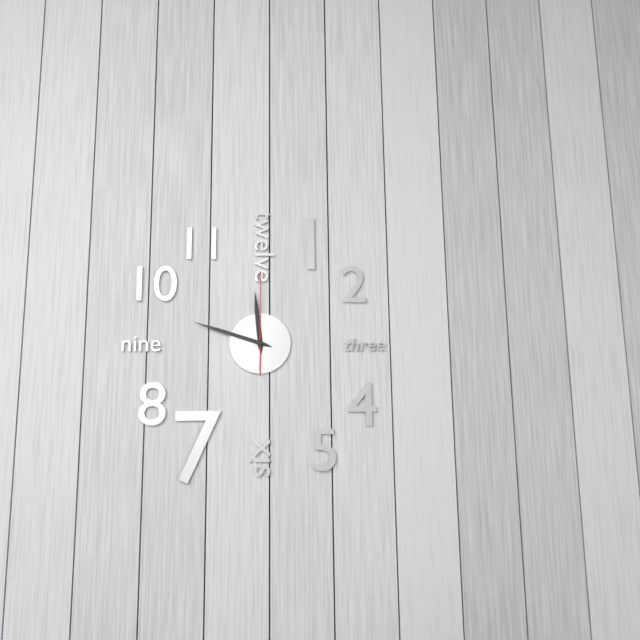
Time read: 11h48m00s
